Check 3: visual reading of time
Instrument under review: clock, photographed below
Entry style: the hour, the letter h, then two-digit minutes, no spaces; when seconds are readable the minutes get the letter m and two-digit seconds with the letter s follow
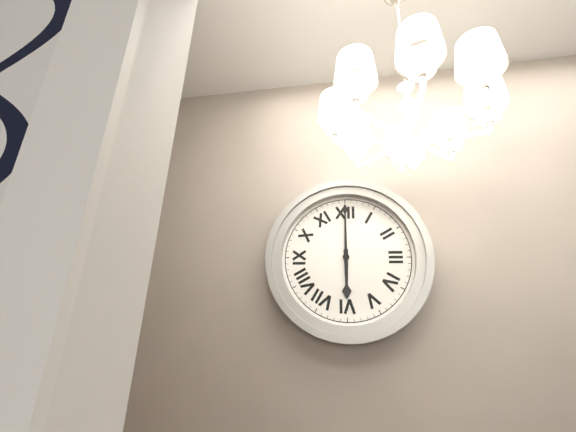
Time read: 6h00
